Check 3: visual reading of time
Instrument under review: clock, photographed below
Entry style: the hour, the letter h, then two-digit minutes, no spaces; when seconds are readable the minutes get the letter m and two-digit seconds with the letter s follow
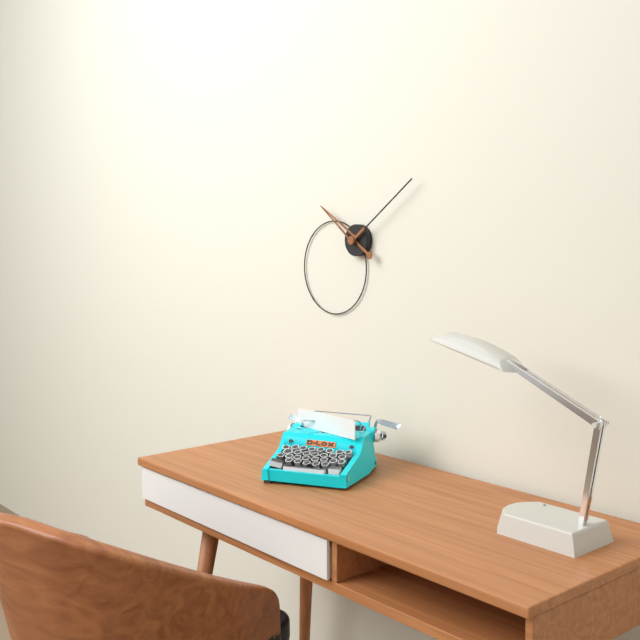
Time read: 10h09
